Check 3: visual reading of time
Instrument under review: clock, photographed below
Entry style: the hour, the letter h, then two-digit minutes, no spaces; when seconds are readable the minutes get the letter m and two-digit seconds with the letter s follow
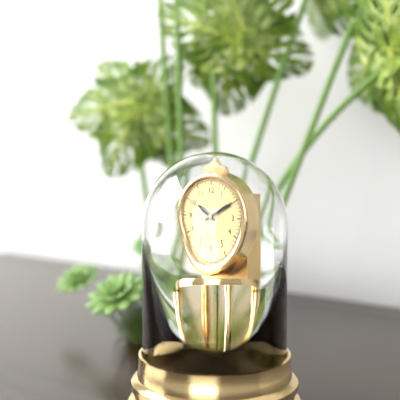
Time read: 10h10
